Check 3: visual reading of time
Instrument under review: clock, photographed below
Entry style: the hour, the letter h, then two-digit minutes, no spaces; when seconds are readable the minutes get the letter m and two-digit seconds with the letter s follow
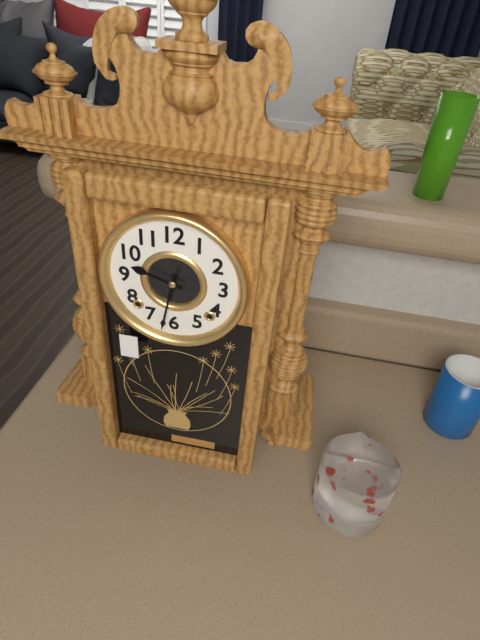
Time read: 9h32
